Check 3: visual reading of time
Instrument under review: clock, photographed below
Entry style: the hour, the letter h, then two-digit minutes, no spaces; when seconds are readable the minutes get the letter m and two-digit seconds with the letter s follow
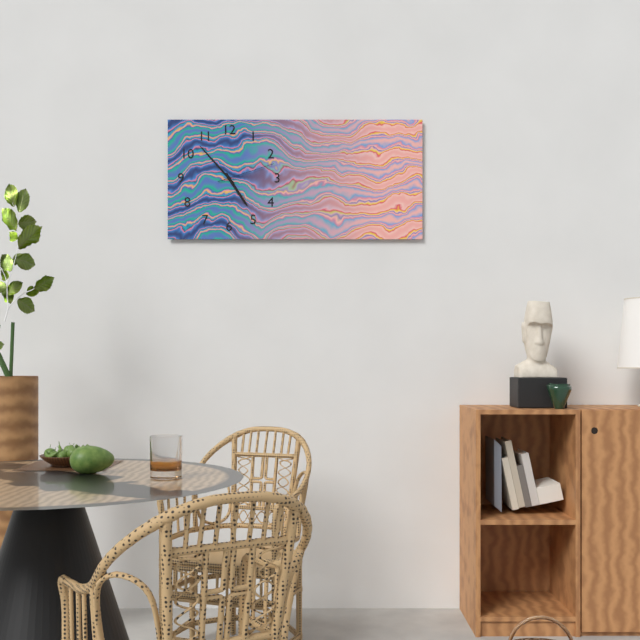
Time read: 4h53m12s
